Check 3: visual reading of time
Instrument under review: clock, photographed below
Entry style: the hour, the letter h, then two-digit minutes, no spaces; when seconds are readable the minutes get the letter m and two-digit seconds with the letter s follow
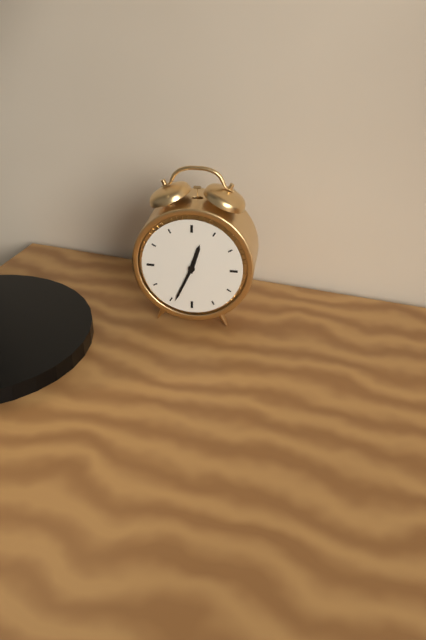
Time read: 12h34
